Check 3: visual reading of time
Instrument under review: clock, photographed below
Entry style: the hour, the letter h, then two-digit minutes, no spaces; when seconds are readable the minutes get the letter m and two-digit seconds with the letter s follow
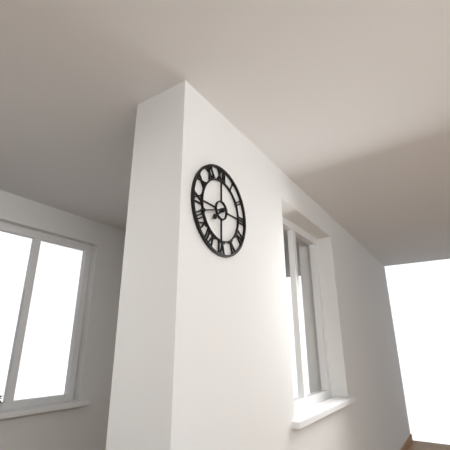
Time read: 7h42
